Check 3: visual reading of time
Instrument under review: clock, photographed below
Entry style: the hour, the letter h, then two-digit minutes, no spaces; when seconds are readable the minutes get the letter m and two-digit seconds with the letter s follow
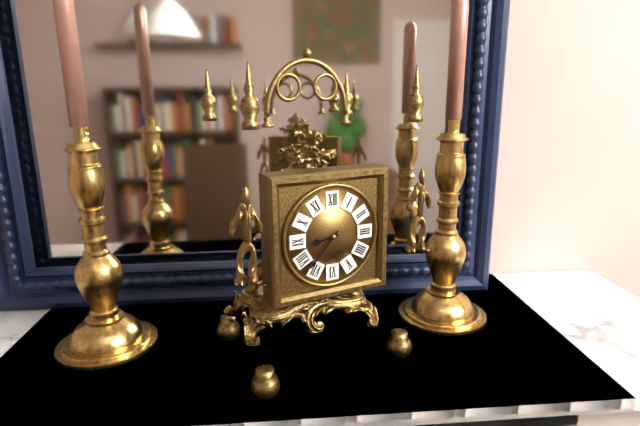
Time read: 8h37
